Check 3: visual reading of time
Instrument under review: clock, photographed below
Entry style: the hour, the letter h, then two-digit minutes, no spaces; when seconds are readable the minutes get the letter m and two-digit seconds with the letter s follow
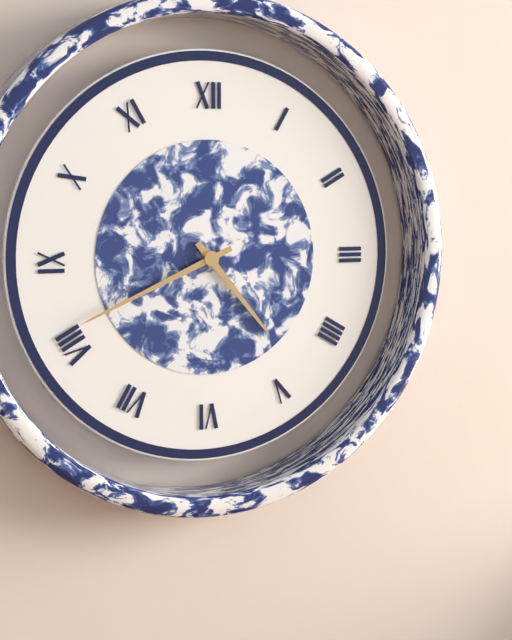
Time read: 4h41
